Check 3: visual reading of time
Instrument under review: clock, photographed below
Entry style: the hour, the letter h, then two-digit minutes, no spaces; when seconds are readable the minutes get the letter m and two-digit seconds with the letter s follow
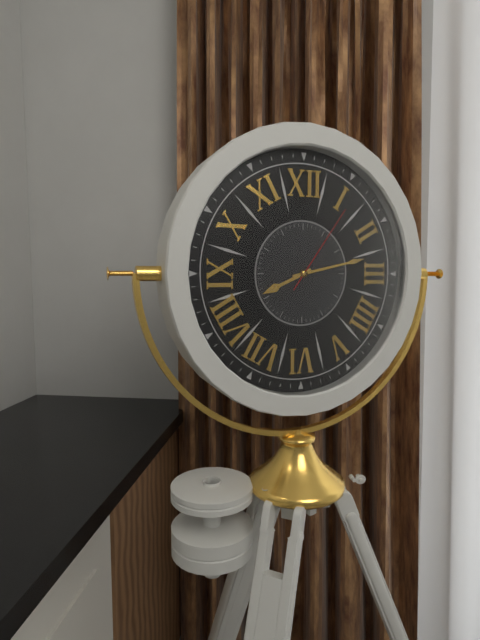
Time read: 8h13m06s
